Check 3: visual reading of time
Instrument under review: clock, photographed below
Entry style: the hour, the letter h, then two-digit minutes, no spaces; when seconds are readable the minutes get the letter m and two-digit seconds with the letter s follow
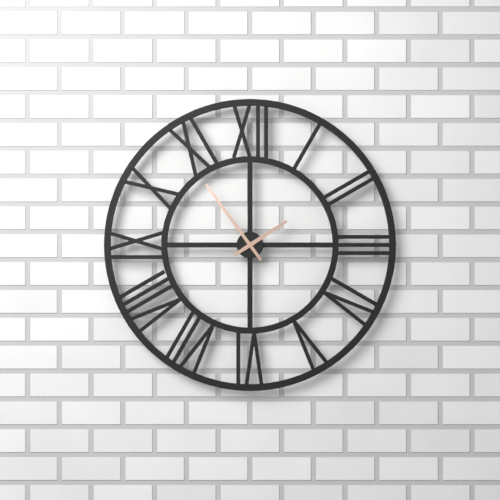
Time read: 1h54
